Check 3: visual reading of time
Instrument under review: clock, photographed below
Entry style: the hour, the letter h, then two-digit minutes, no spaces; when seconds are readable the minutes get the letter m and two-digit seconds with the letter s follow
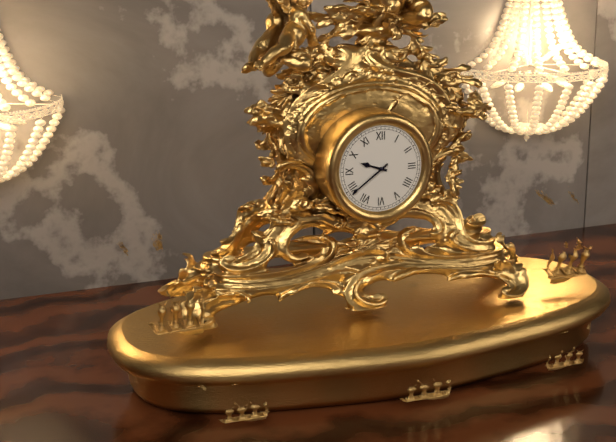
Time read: 9h39
